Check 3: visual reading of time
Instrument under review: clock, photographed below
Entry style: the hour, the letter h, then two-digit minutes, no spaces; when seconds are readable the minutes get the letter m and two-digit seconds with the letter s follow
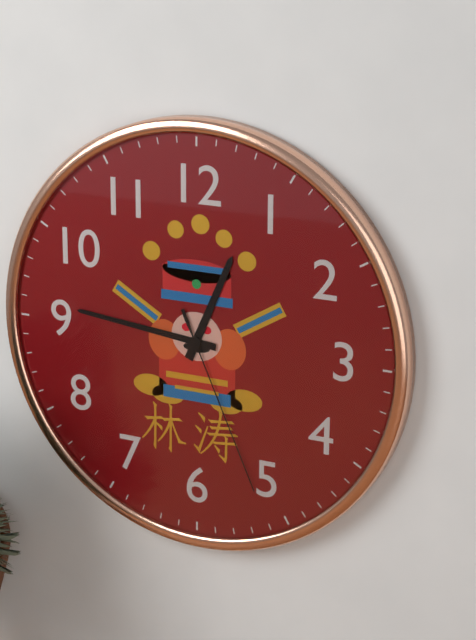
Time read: 12h46m26s
